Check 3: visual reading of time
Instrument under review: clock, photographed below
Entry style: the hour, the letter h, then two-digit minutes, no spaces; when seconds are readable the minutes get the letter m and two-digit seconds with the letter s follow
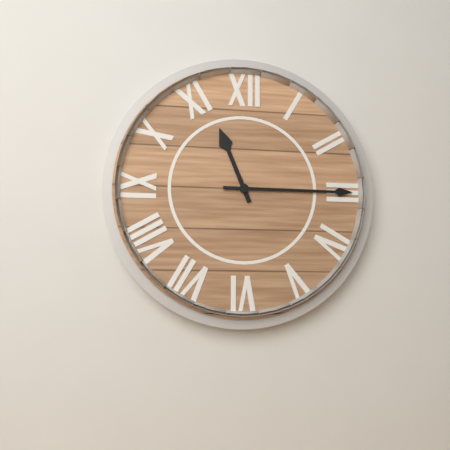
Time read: 11h15
